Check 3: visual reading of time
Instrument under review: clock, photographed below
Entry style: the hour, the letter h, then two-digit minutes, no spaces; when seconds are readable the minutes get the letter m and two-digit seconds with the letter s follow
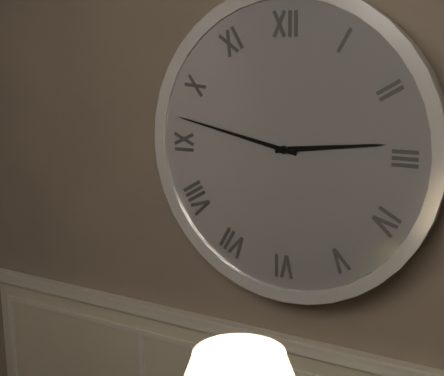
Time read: 2h47
